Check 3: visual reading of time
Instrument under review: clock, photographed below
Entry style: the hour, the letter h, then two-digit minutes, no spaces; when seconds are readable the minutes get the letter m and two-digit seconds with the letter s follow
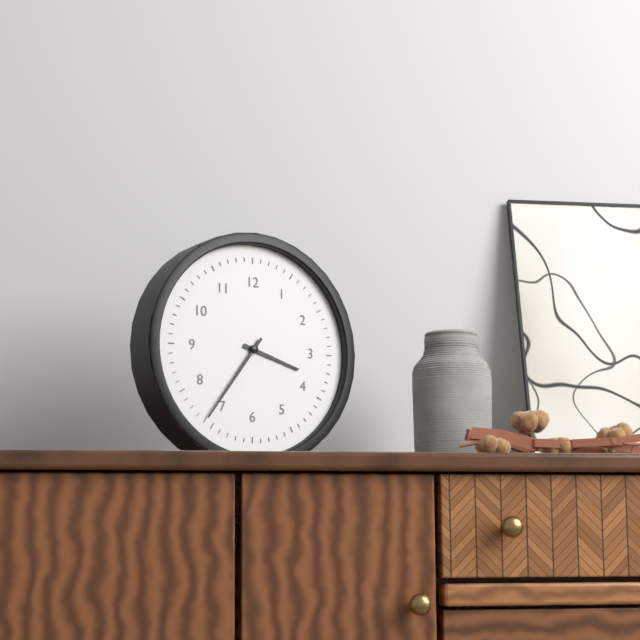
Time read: 3h36
